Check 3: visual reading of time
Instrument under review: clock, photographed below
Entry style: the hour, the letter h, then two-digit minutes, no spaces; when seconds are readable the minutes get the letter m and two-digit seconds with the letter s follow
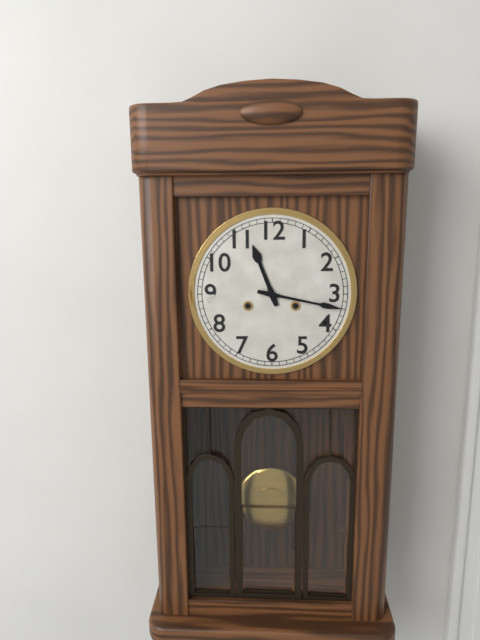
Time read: 11h17
